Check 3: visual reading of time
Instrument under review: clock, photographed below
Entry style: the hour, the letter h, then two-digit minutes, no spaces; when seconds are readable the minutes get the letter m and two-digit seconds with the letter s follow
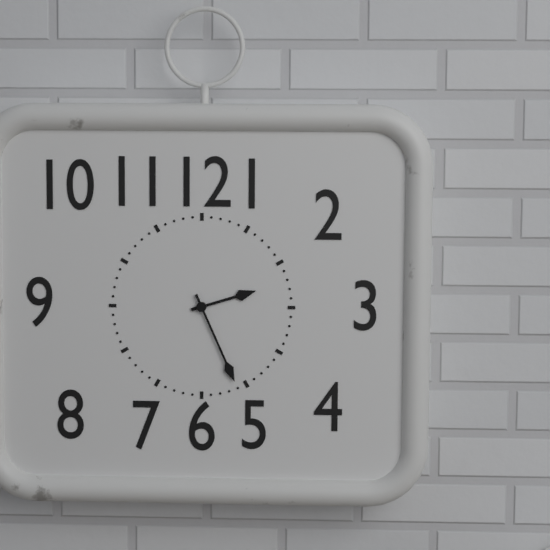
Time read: 2h26
